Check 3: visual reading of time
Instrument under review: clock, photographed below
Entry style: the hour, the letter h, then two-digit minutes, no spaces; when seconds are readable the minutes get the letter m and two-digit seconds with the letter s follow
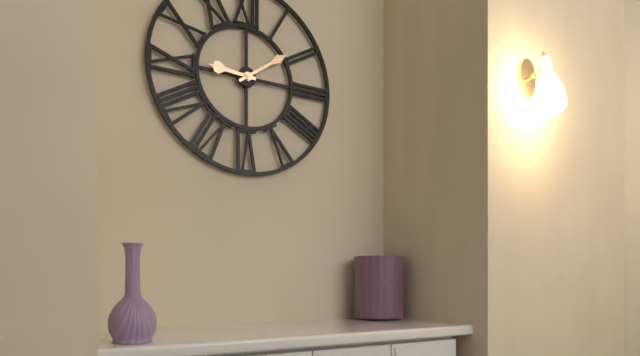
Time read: 9h09
